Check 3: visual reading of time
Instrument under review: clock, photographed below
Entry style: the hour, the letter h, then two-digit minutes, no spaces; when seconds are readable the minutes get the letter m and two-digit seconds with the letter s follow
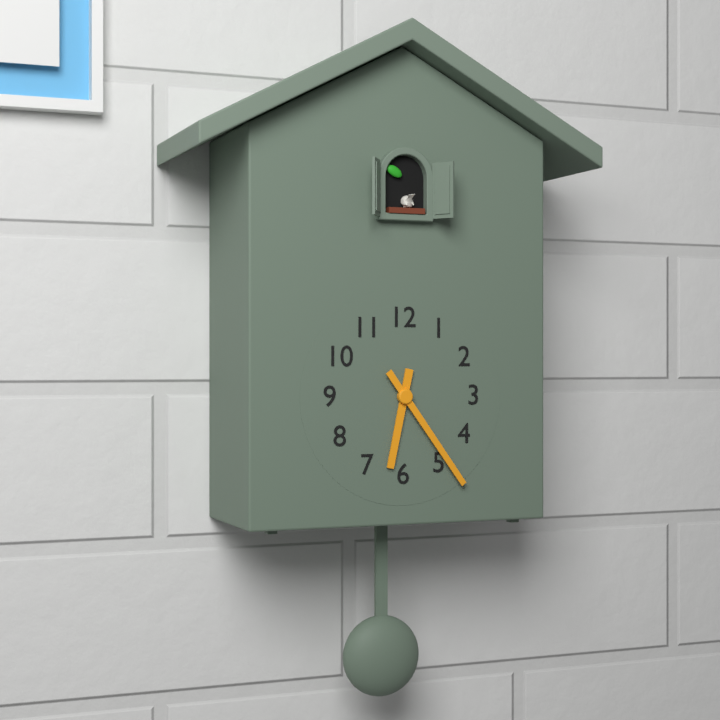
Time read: 6h24
